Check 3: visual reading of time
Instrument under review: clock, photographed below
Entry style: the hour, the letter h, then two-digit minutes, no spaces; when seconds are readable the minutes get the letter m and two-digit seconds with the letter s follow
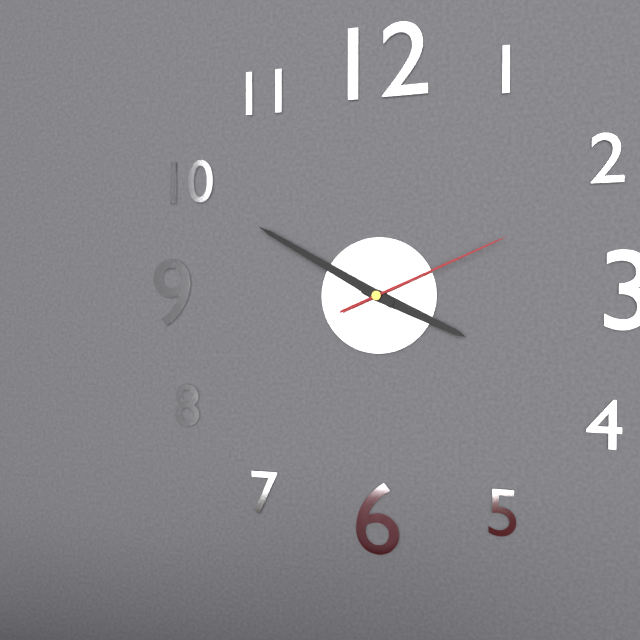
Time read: 3h50m11s
